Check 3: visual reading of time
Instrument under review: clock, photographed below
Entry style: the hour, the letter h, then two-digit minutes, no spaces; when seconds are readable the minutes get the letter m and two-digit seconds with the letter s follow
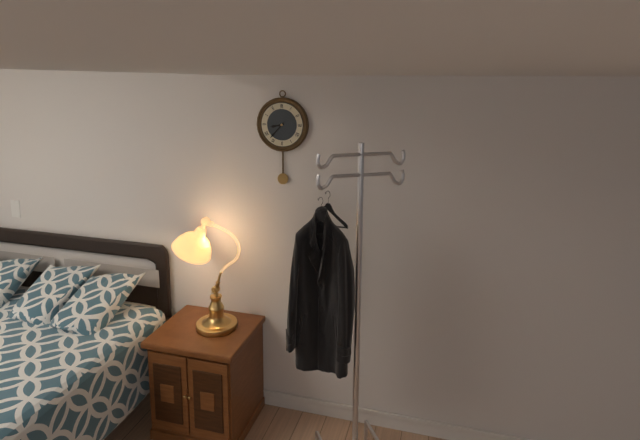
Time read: 8h37
